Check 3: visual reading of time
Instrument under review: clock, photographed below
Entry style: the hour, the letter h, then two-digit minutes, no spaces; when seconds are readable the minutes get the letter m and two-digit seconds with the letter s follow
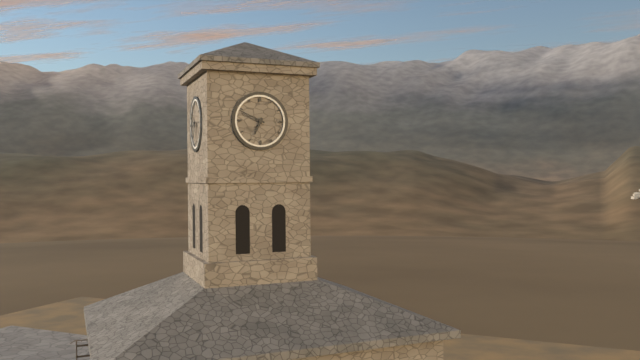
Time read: 6h49
